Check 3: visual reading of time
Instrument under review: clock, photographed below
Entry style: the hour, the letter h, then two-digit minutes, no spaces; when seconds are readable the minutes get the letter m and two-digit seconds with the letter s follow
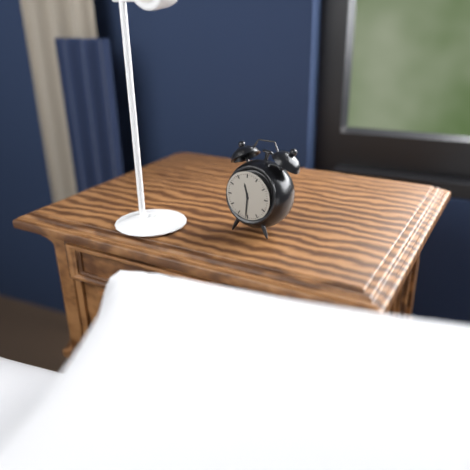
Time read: 11h31
